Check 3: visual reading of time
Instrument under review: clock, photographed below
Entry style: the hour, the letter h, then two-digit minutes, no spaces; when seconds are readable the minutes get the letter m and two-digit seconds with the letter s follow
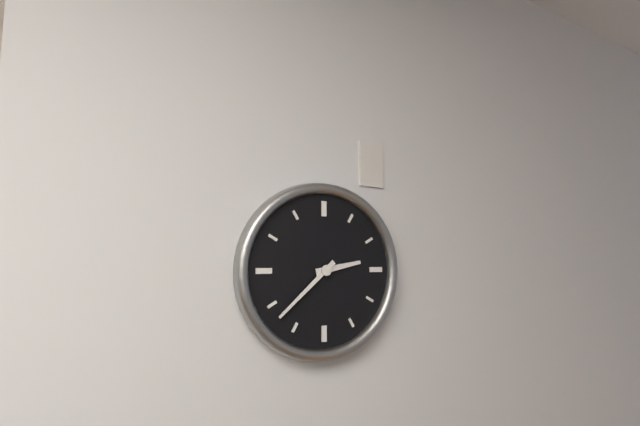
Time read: 2h38
